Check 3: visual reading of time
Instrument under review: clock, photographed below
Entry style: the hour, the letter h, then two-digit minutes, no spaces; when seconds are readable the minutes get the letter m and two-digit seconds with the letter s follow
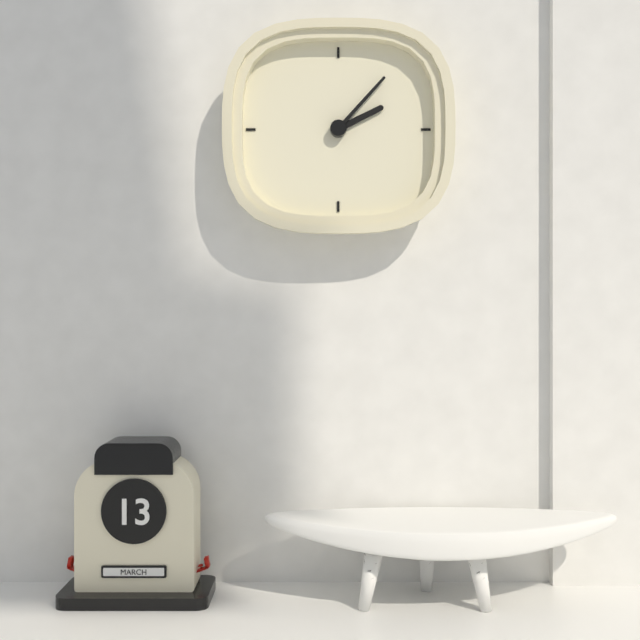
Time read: 2h07
